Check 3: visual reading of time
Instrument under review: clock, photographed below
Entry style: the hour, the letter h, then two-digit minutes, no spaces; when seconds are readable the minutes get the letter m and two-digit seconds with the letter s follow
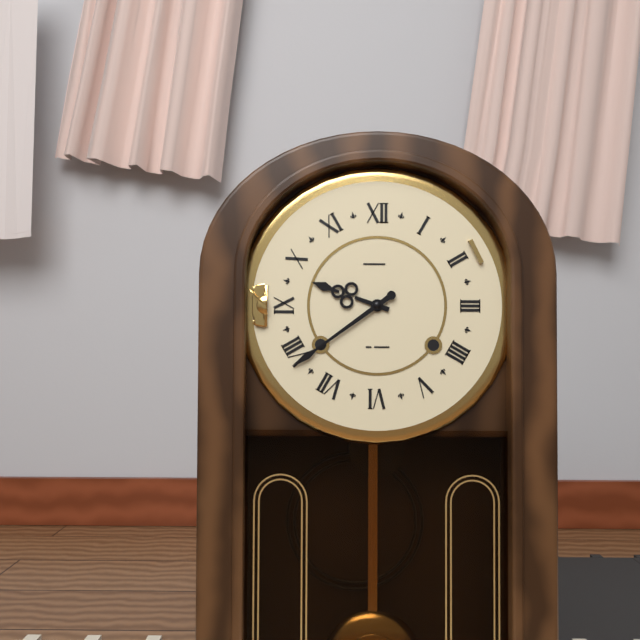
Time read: 9h39
